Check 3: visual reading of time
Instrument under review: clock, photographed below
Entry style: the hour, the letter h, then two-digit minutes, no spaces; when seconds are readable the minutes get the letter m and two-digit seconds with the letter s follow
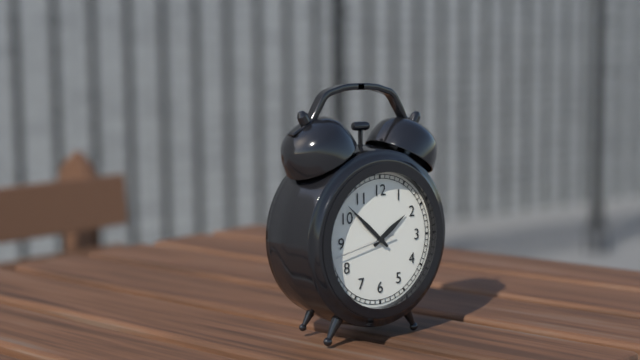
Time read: 1h52m43s
